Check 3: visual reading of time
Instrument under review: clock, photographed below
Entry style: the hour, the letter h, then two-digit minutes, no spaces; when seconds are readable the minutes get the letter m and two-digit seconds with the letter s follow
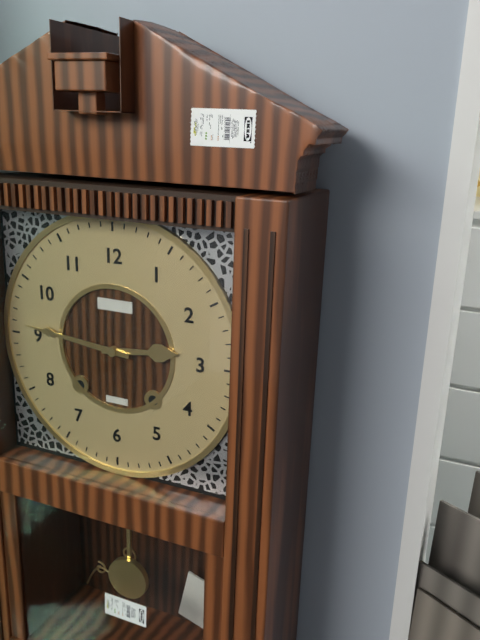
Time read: 2h46
